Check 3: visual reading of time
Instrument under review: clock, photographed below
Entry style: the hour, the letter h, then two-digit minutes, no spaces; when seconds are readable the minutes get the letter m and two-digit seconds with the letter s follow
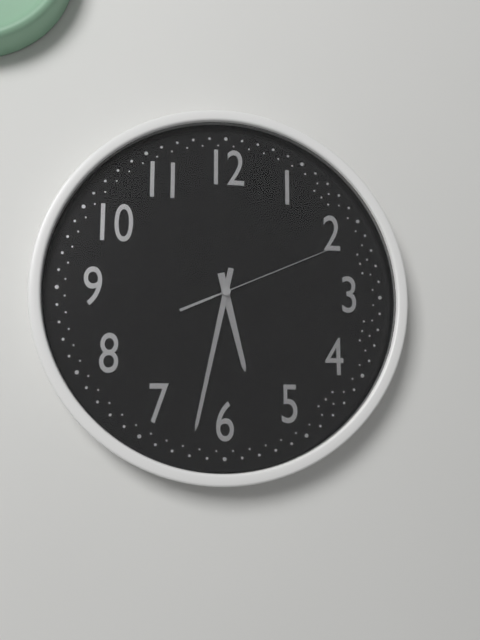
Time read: 5h32m11s
